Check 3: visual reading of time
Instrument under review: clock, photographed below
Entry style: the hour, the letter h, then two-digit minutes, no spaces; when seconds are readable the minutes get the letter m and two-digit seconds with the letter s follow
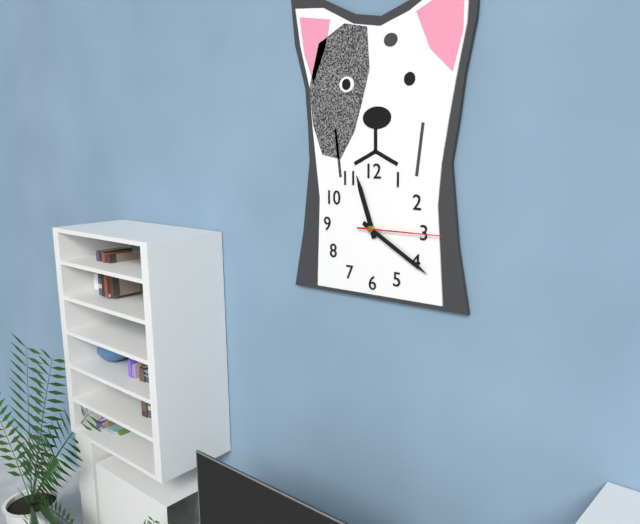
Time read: 11h20m15s
